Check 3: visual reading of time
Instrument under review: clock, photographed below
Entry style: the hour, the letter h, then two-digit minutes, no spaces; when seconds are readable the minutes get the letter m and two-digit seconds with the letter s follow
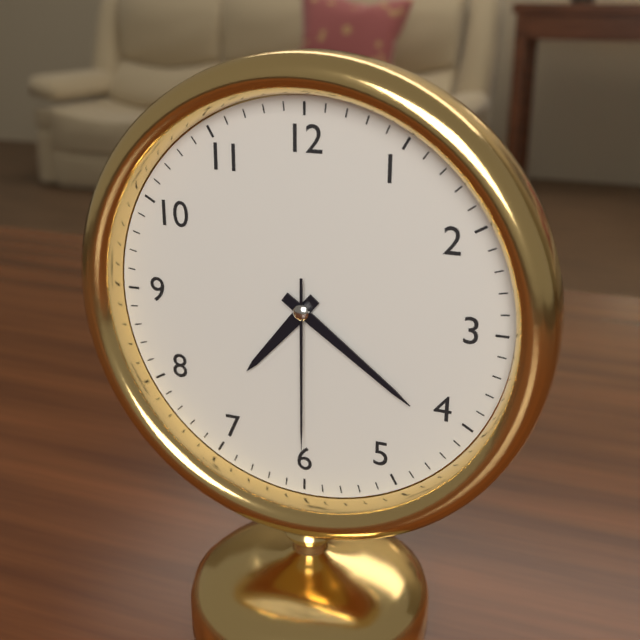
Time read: 7h21m30s
